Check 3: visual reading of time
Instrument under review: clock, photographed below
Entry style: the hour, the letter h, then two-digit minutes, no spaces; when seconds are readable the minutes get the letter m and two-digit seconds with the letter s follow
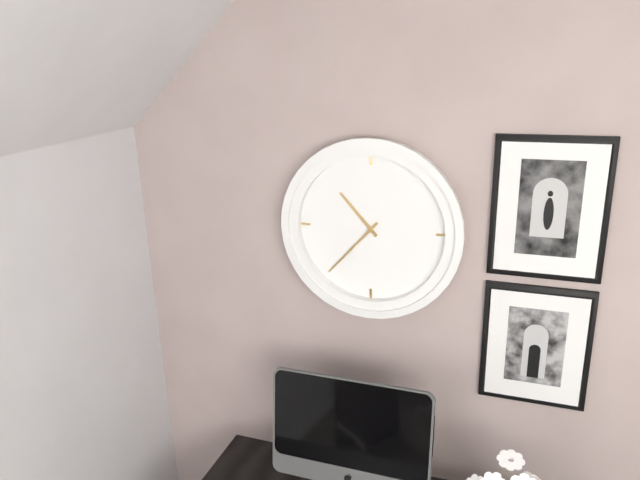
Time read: 10h37
